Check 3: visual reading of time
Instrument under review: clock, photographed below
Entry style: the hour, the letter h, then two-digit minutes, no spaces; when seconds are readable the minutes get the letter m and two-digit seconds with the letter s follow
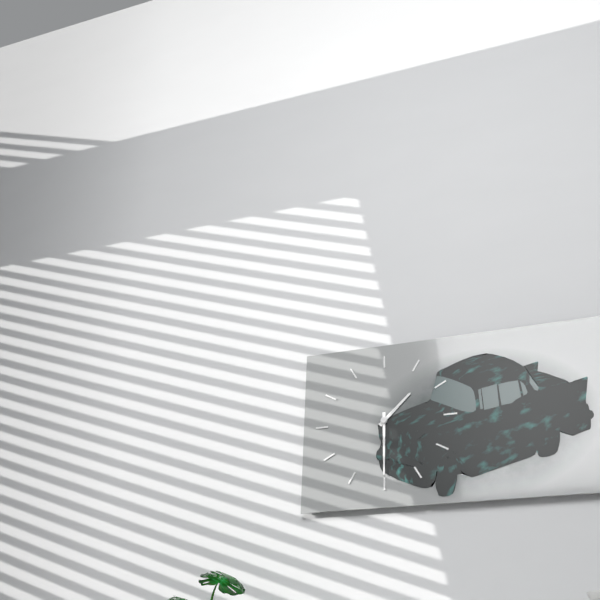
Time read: 1h30
